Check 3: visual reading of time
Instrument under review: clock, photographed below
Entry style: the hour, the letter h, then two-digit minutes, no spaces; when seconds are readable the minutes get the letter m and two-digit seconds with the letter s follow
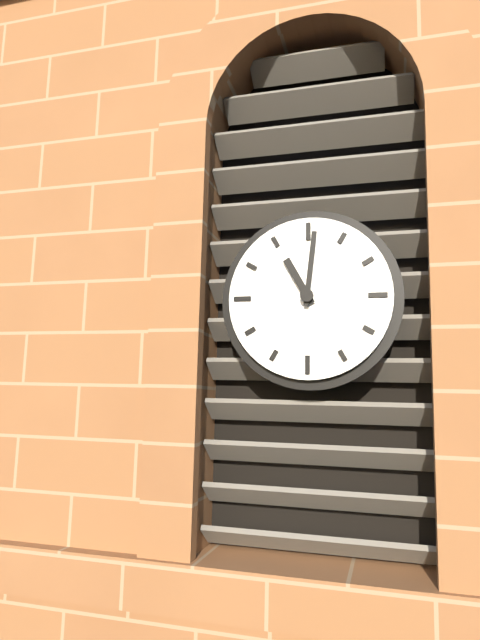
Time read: 11h01
